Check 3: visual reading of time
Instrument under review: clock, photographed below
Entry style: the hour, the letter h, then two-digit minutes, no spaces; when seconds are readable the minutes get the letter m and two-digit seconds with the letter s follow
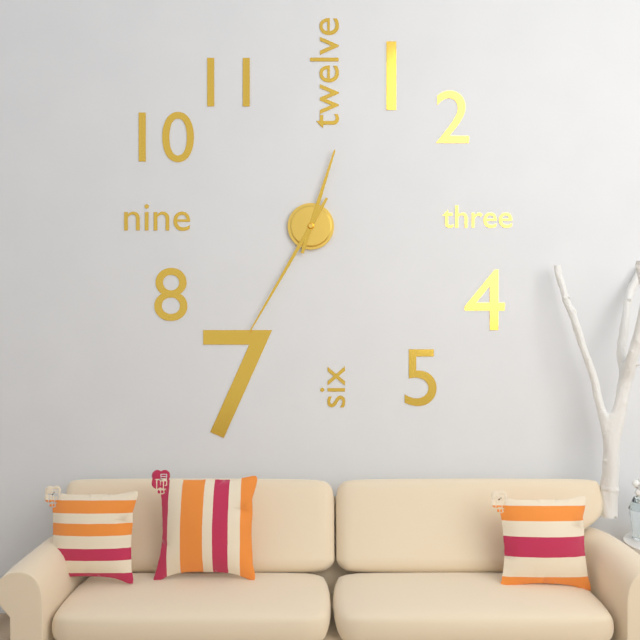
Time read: 12h35
